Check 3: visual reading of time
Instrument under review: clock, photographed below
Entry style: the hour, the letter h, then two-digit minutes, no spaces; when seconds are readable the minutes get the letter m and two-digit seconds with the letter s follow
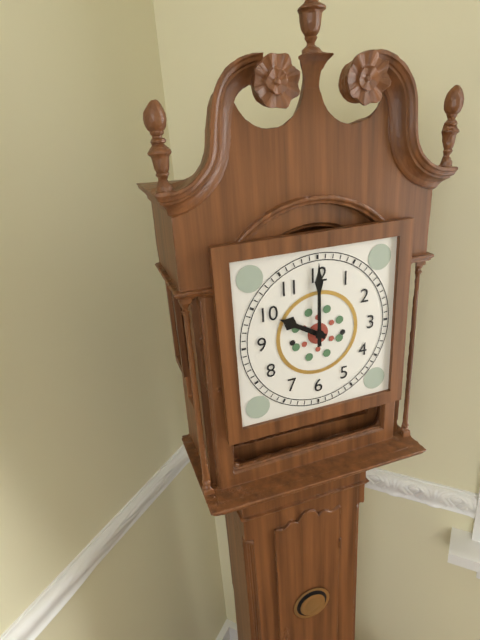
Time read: 10h00
